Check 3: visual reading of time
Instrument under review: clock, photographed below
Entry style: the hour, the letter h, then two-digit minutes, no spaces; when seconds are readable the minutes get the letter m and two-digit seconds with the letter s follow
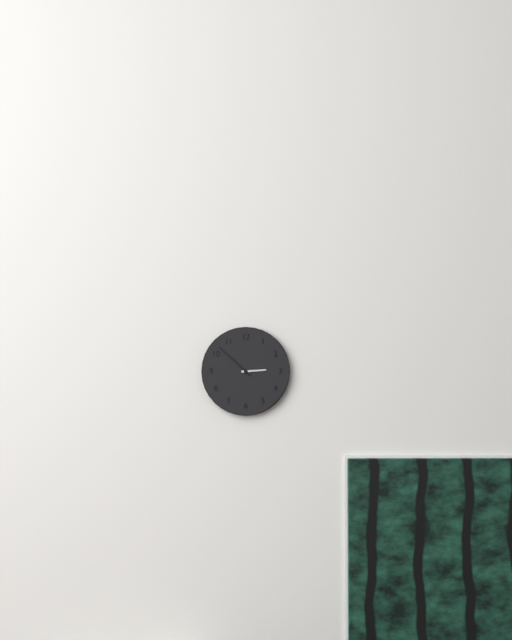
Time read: 2h52
